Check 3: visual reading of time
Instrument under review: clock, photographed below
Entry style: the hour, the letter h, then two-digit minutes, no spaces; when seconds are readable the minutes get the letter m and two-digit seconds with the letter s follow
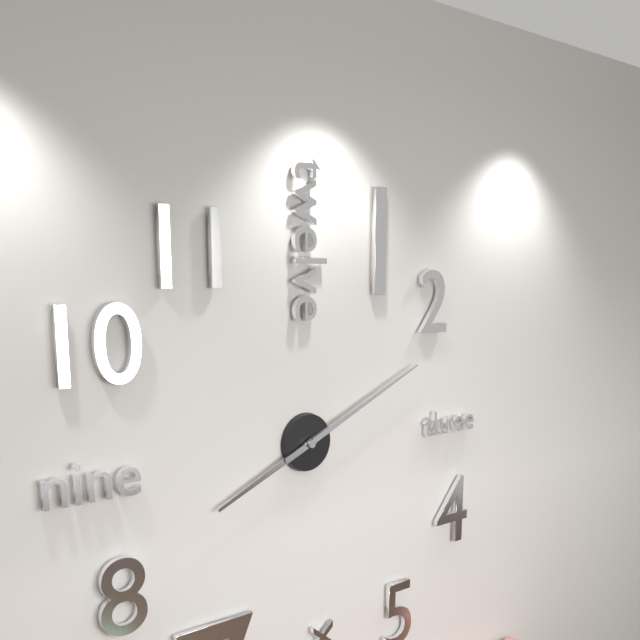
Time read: 8h11
